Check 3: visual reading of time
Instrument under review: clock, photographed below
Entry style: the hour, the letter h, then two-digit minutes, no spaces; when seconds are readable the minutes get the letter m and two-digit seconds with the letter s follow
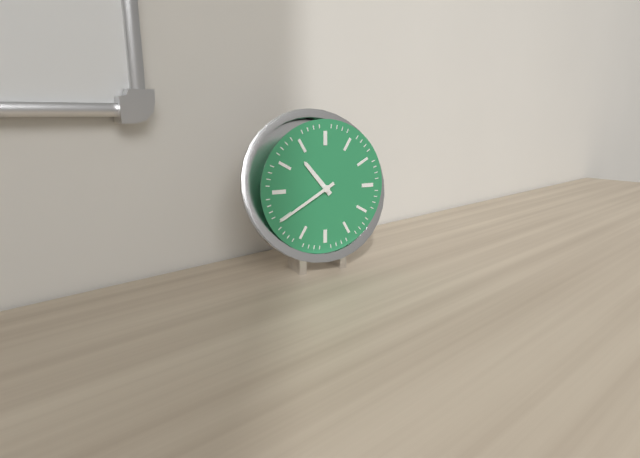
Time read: 10h40
